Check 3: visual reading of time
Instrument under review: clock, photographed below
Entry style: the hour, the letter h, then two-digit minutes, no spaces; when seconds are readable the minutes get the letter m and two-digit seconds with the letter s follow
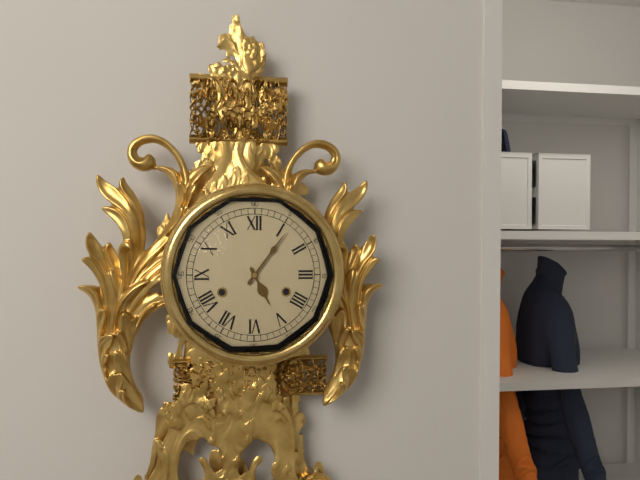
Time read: 5h06
